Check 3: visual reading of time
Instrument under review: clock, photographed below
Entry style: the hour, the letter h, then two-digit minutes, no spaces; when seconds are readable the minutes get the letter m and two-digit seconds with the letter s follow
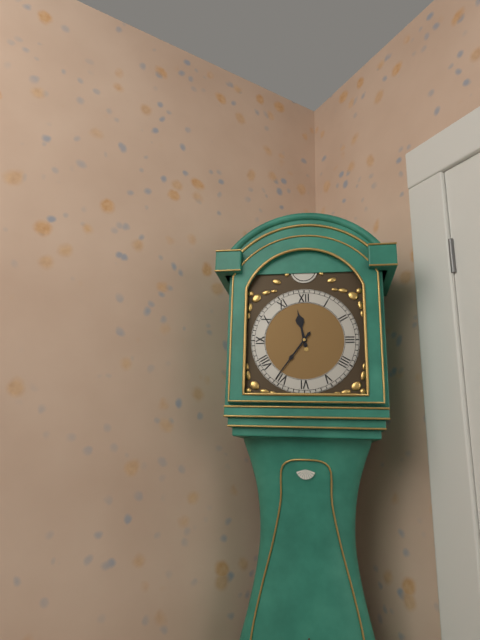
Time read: 11h36
